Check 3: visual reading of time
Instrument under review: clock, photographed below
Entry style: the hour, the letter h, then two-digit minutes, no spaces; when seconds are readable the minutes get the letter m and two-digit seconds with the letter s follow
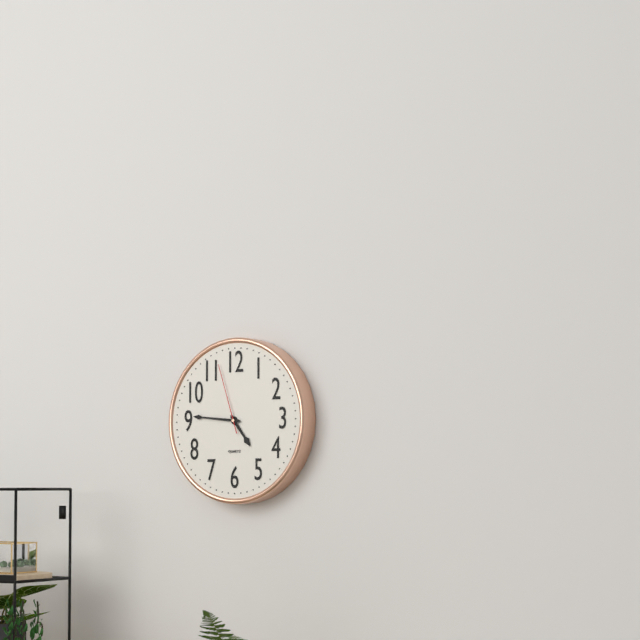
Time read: 4h46m57s
